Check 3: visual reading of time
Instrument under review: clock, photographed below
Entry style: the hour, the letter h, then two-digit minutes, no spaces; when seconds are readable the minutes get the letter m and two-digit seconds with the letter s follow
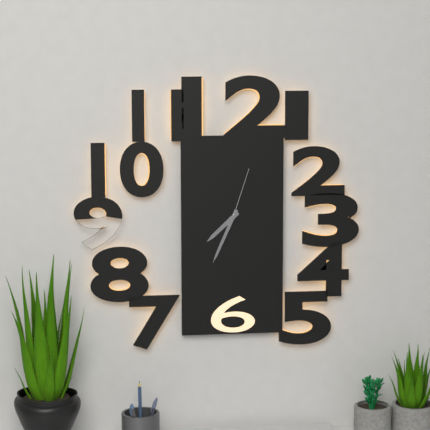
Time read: 7h34m03s
